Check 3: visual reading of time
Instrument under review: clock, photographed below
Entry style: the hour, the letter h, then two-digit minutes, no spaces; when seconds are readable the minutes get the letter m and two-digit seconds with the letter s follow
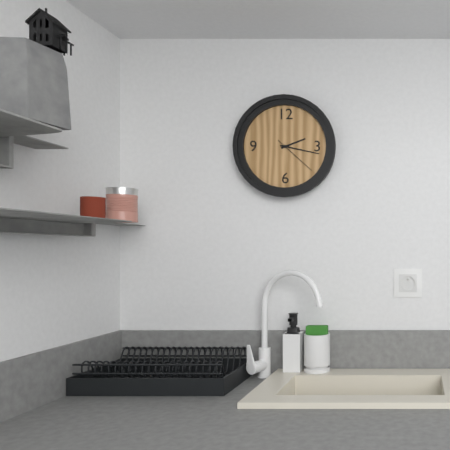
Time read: 2h17
